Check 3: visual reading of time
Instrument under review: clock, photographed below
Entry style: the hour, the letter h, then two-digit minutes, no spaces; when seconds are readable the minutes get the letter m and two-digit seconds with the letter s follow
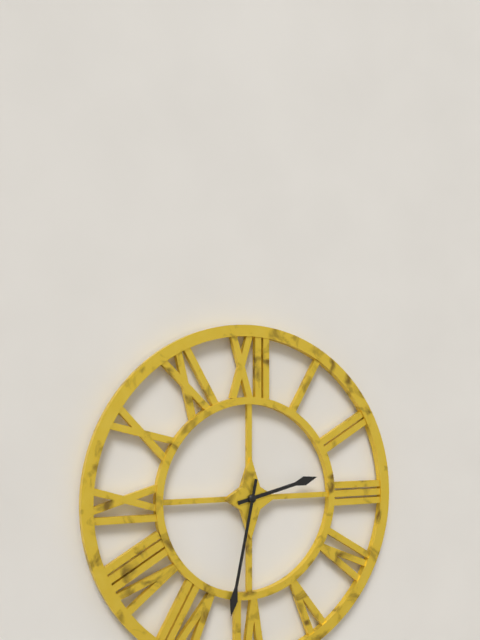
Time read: 2h32
